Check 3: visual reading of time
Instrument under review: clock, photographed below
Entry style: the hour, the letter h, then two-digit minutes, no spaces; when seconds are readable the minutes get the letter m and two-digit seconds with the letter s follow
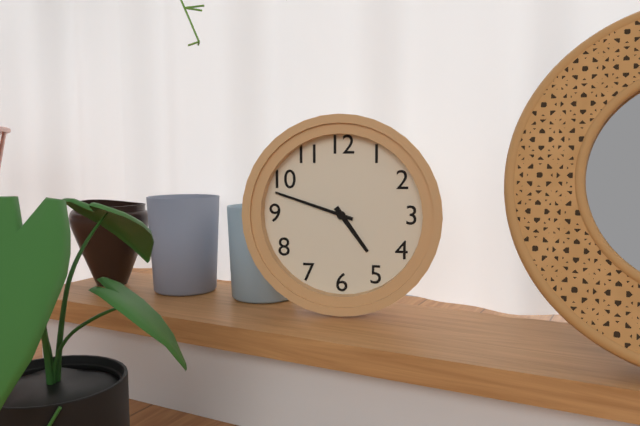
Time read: 4h48
